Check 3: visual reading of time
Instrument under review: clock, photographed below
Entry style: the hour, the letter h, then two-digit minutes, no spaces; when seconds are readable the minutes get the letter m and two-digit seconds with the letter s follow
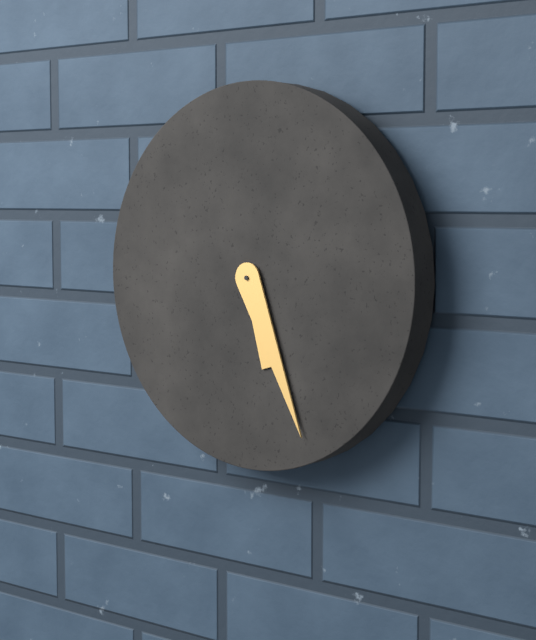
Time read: 5h26
